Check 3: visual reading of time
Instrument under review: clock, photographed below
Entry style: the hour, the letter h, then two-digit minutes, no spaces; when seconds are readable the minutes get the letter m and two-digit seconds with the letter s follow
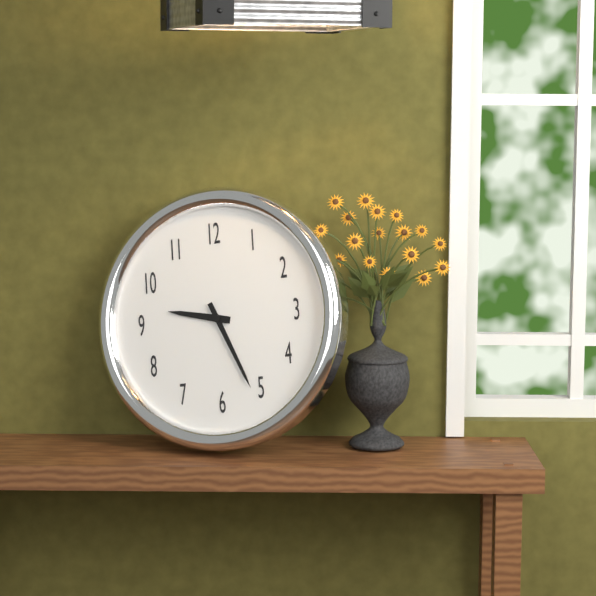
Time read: 9h26
